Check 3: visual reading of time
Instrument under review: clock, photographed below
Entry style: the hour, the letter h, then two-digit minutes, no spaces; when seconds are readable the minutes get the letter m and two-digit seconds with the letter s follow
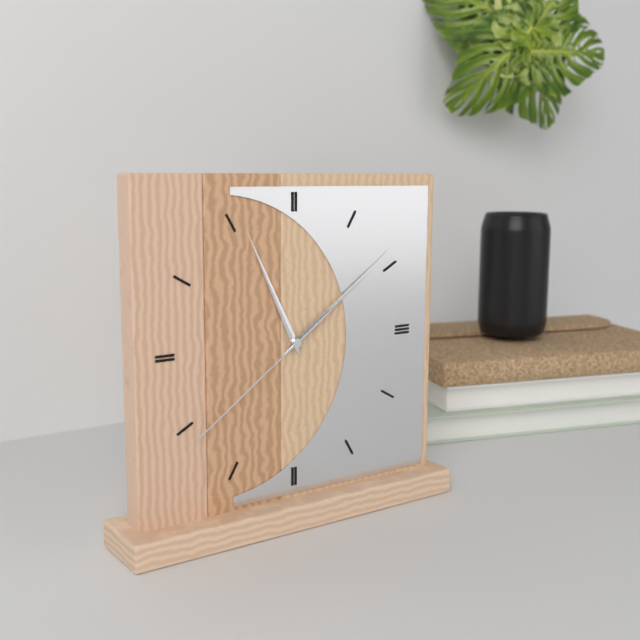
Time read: 11h09m39s
